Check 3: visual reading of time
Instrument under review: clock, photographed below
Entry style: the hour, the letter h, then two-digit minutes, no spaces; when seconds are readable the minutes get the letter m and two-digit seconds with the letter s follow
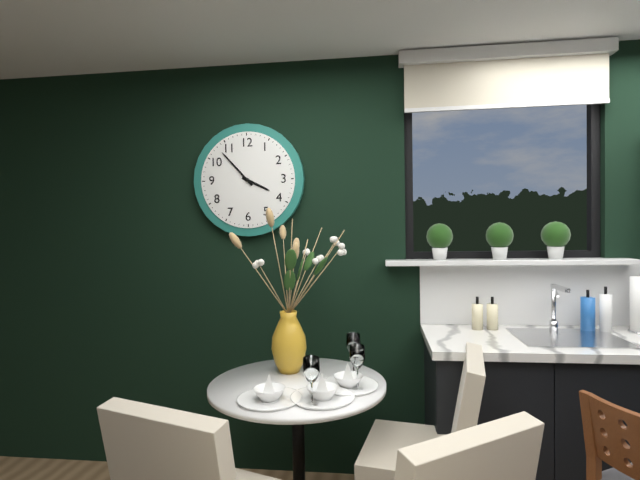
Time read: 3h53
